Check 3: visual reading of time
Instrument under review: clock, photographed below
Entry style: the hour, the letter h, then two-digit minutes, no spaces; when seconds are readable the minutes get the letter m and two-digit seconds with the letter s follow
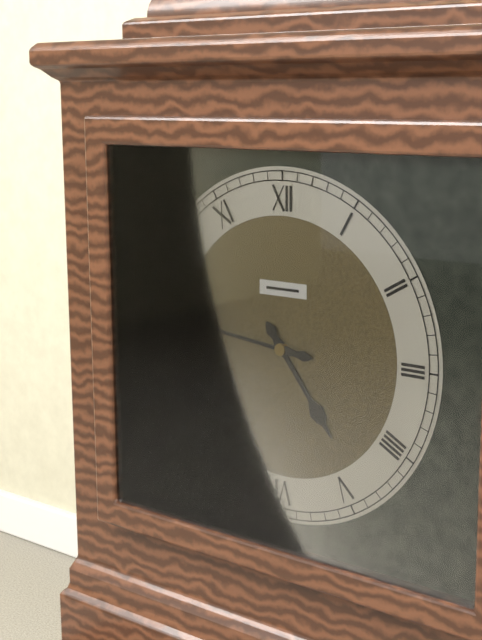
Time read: 4h46
